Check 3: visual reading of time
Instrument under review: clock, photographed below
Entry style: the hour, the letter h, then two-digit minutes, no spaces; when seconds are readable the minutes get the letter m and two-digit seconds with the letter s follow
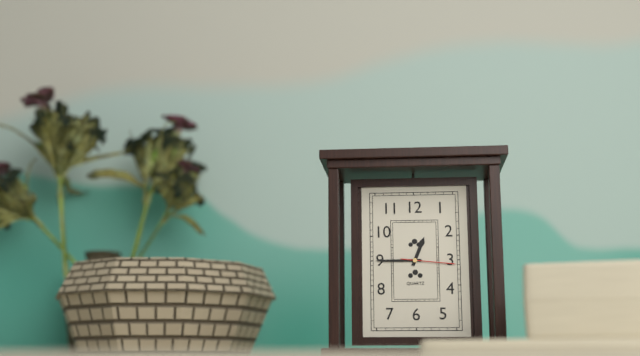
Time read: 12h45m16s
